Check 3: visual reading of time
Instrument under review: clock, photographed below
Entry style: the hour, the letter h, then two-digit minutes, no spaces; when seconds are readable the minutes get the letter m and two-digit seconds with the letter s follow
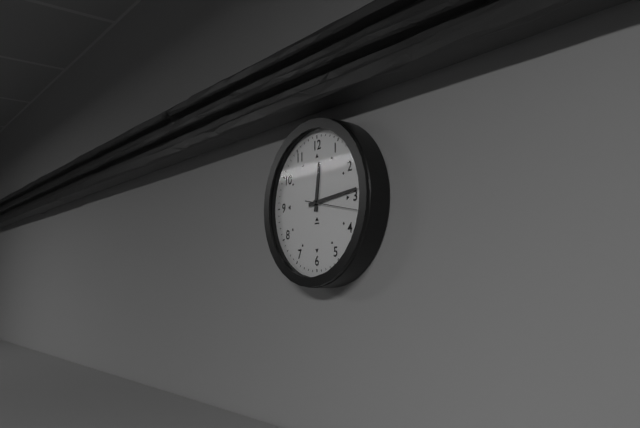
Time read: 12h14m17s
